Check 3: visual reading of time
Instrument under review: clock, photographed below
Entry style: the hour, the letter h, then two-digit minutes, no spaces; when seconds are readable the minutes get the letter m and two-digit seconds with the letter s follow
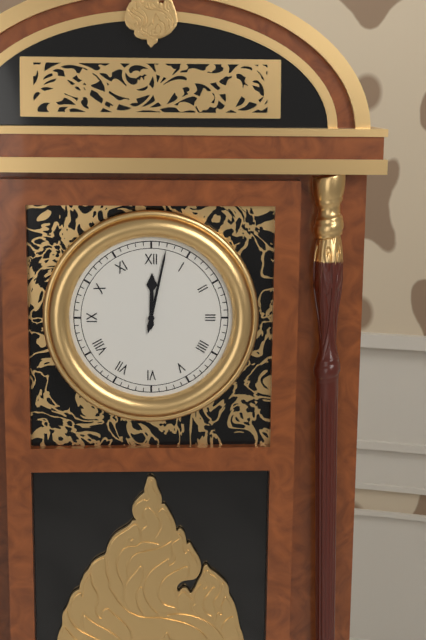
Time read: 12h02
